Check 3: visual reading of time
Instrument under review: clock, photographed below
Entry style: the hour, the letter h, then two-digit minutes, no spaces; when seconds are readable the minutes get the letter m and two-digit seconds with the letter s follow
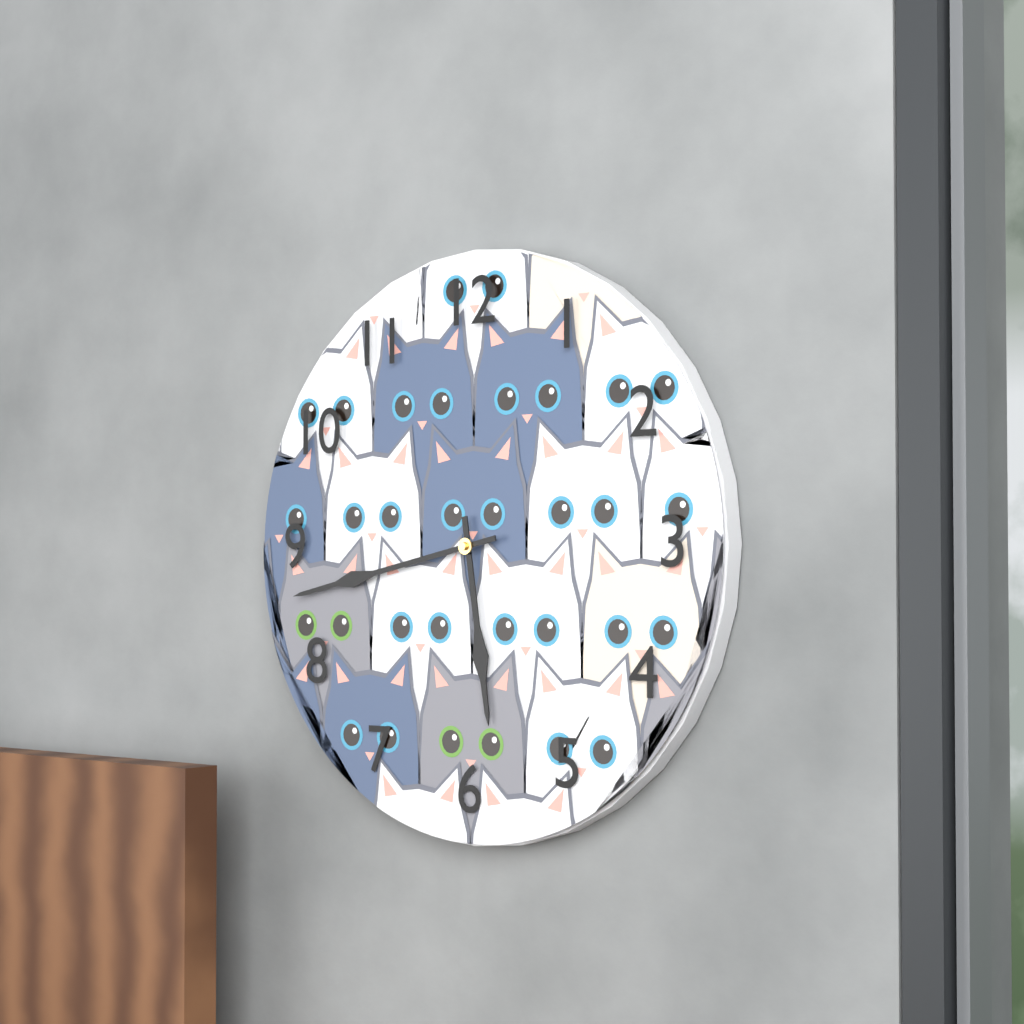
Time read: 5h43
